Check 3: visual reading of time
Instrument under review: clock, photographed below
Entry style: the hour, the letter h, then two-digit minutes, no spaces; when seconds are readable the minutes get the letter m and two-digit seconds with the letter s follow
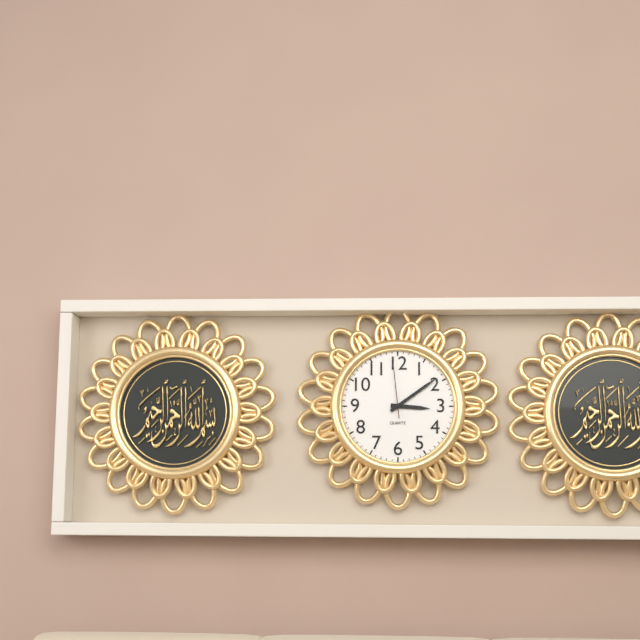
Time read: 3h09m59s
